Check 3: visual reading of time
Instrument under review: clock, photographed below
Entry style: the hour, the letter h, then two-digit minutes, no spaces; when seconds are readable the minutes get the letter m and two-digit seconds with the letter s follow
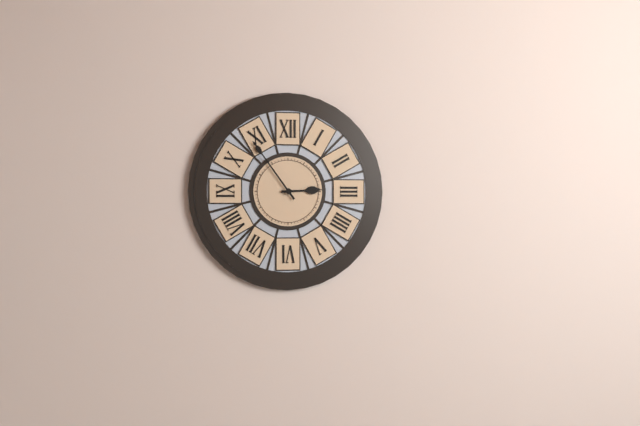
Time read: 2h54
